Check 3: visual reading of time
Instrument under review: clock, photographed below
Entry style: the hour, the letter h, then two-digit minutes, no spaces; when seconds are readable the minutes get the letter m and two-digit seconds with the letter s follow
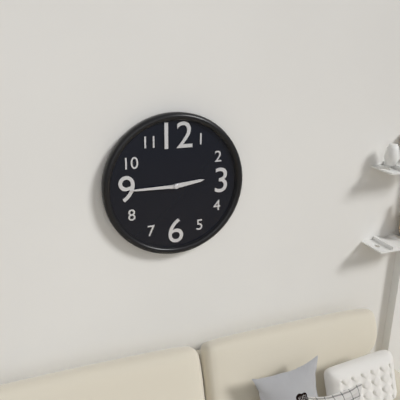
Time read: 2h45
